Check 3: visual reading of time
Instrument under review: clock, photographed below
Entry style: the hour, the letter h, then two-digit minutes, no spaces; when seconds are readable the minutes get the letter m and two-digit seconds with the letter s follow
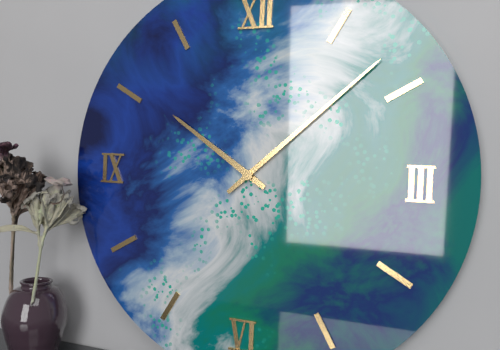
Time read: 10h08
